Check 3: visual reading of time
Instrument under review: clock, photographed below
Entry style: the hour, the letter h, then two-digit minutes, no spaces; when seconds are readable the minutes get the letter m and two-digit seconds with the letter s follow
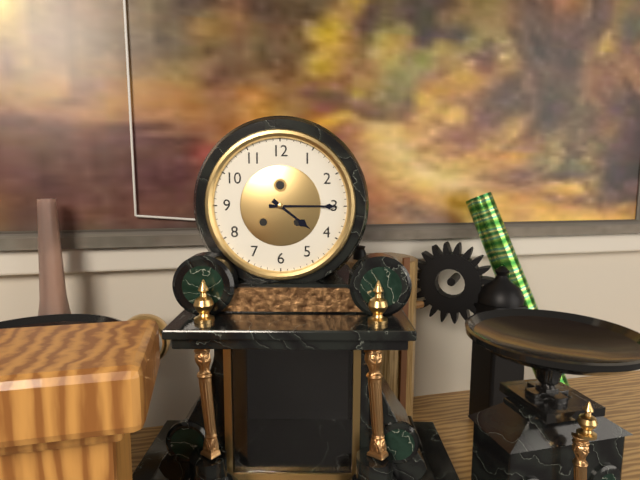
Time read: 4h15
